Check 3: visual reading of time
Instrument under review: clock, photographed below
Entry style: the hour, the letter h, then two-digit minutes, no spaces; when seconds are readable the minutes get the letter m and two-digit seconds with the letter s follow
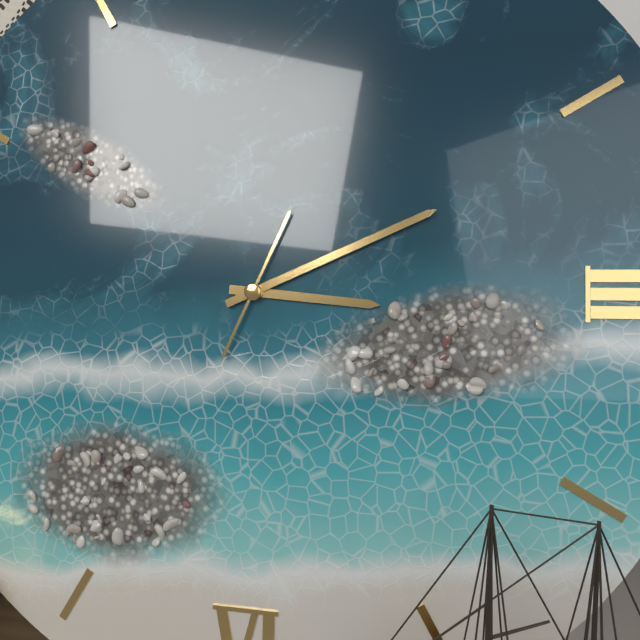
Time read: 3h11m04s
